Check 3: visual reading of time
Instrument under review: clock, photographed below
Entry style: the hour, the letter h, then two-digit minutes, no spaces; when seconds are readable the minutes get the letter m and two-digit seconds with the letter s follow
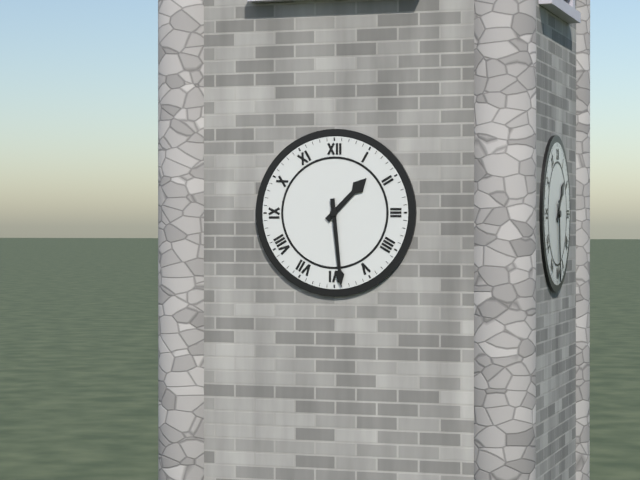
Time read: 1h29
